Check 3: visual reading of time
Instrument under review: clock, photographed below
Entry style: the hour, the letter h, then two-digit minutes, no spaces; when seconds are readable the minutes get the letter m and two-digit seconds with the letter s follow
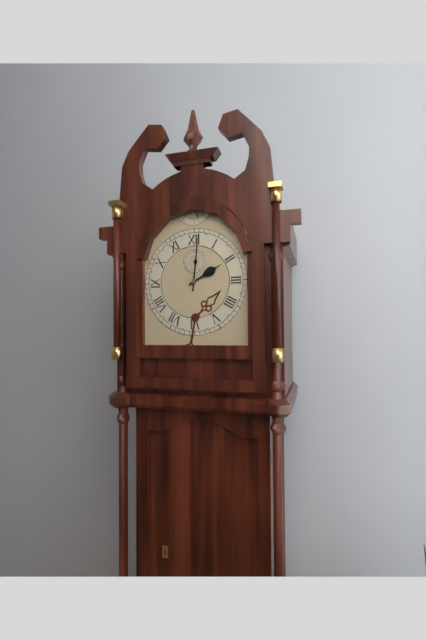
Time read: 2h01
